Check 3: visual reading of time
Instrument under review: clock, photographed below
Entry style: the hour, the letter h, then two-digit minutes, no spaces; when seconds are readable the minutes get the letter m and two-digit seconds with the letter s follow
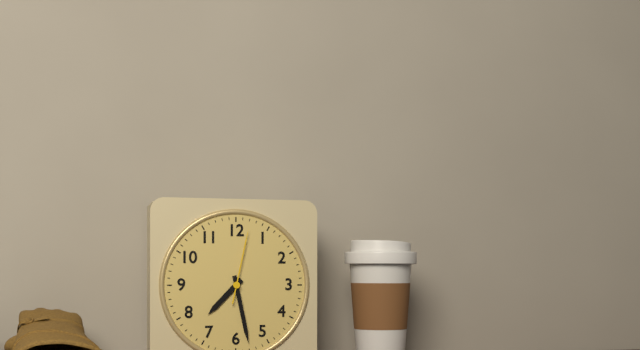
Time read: 7h28m02s
